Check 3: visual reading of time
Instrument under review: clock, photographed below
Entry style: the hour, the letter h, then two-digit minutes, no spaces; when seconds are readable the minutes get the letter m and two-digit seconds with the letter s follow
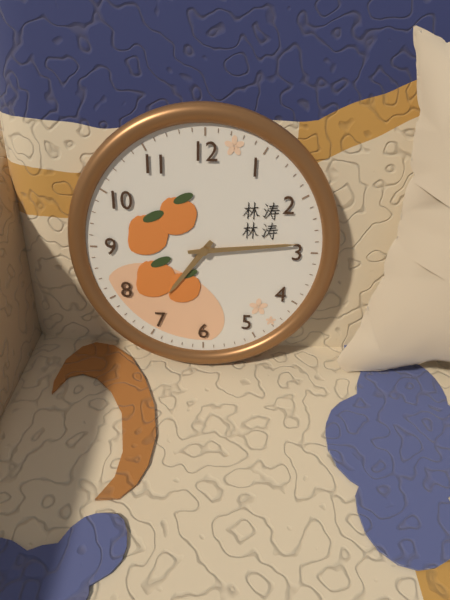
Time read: 7h14
